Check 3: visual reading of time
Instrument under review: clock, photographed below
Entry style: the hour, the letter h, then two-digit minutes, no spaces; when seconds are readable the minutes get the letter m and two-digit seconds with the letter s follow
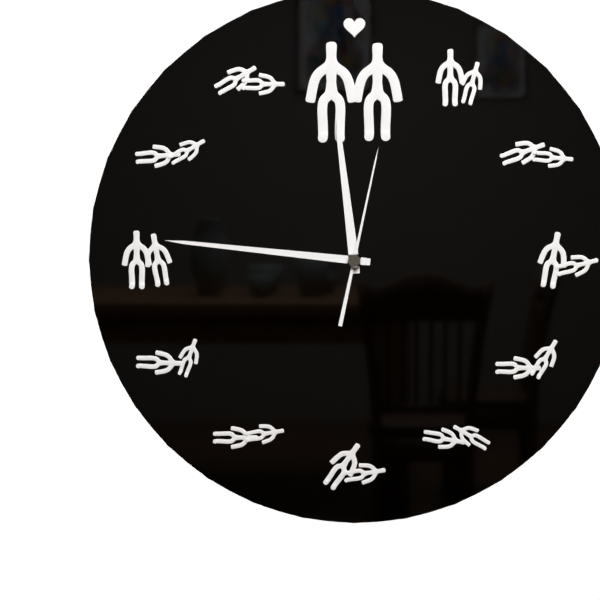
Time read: 11h46m02s
